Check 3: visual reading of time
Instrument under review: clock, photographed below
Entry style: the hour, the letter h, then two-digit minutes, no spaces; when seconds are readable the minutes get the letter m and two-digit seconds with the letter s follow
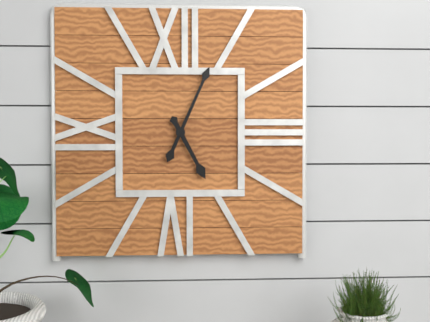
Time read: 5h04
